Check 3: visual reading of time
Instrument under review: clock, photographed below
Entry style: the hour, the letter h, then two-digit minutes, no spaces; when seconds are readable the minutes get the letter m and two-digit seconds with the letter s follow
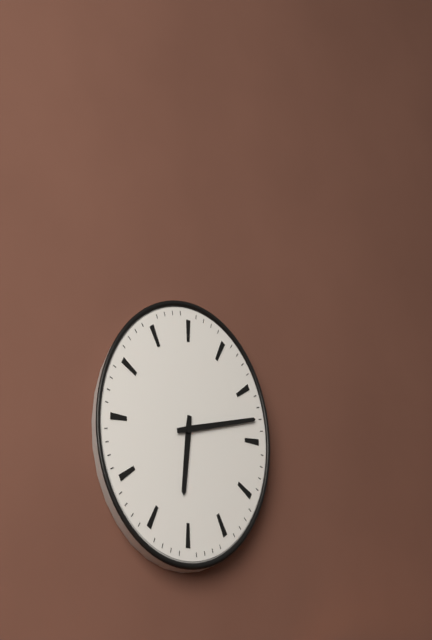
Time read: 6h13
